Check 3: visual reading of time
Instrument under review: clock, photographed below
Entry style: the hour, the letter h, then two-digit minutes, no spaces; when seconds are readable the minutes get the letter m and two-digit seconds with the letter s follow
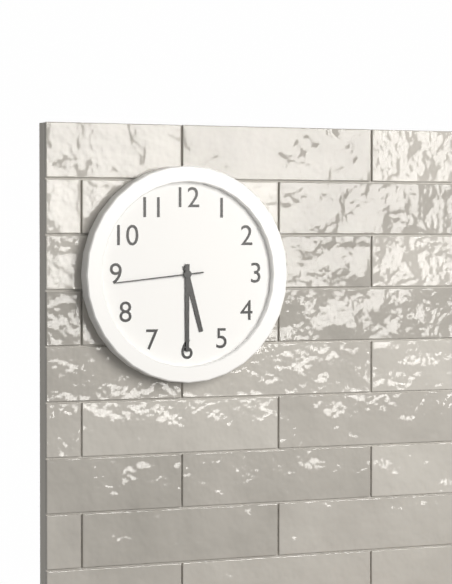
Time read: 5h30m44s
